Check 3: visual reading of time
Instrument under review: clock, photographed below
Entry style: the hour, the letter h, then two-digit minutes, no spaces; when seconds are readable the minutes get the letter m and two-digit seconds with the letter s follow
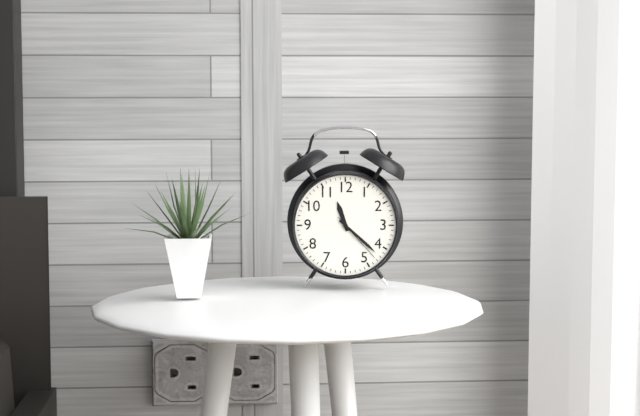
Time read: 11h22m23s
